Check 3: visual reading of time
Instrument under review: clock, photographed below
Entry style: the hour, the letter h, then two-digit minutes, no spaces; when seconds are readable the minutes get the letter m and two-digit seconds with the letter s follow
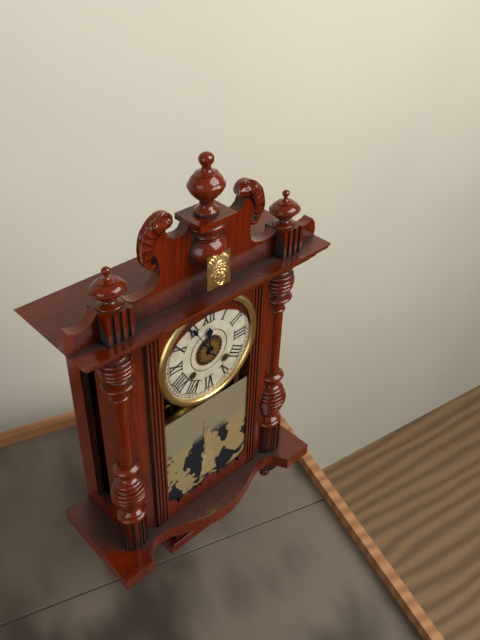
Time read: 11h55
